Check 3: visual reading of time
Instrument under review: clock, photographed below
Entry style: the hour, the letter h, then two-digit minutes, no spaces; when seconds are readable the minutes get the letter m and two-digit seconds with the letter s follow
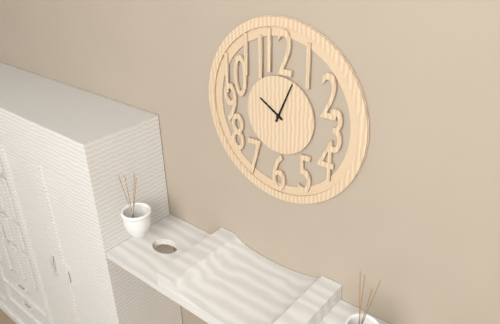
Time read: 10h04
